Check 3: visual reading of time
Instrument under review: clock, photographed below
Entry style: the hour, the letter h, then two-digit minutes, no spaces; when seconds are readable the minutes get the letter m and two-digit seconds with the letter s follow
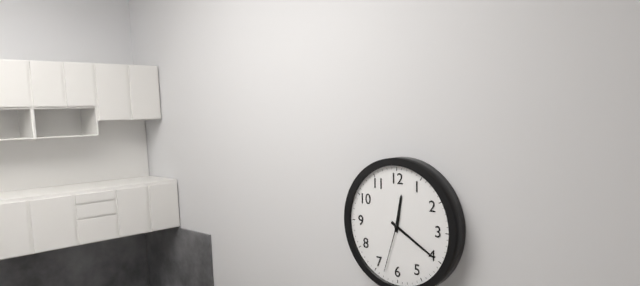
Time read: 12h20m33s
